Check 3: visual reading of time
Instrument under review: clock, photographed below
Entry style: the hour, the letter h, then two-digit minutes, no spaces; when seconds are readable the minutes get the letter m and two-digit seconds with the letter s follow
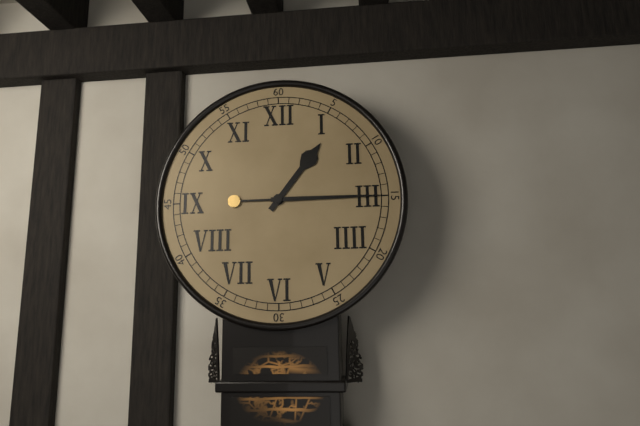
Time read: 1h15
